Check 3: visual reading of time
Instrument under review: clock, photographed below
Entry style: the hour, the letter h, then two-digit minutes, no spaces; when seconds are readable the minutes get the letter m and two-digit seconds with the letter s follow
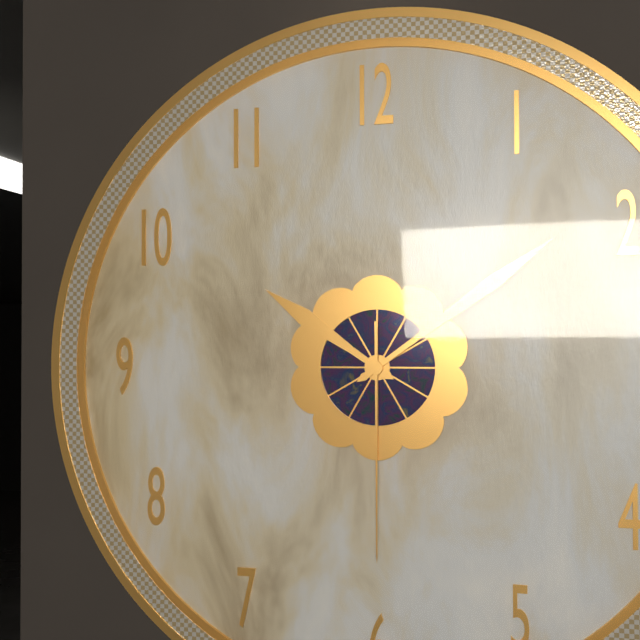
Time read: 10h09m30s
